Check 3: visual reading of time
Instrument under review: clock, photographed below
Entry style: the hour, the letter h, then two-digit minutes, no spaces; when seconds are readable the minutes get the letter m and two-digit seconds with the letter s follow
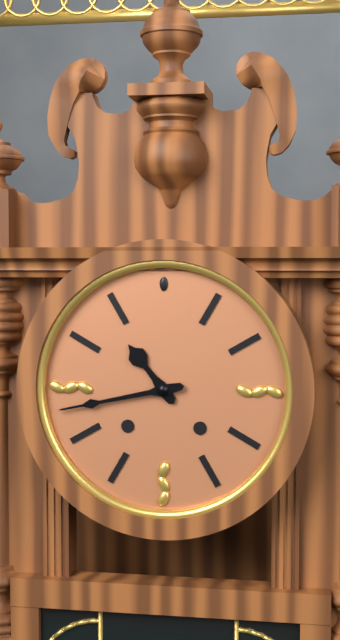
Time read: 10h43
